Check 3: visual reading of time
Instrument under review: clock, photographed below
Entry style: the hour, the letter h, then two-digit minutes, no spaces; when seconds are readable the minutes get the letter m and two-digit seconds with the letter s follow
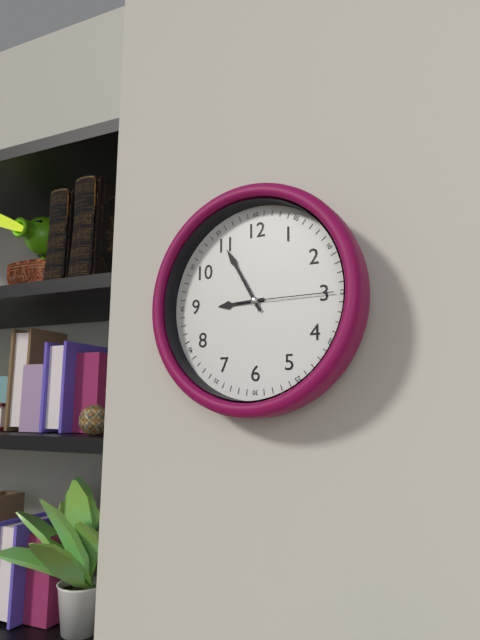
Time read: 8h55m15s
